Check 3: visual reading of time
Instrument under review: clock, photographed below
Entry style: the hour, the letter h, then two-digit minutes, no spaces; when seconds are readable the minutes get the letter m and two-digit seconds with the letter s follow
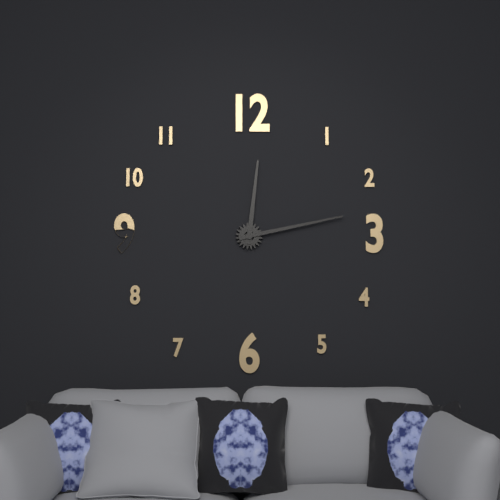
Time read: 12h13
